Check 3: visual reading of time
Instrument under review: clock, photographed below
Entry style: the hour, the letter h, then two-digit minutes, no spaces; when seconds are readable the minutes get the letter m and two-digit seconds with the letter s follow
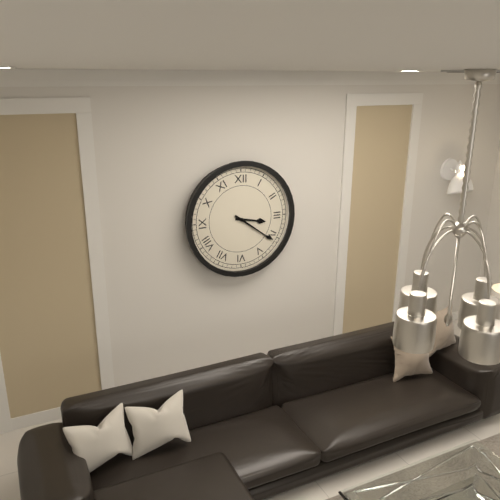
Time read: 3h21
